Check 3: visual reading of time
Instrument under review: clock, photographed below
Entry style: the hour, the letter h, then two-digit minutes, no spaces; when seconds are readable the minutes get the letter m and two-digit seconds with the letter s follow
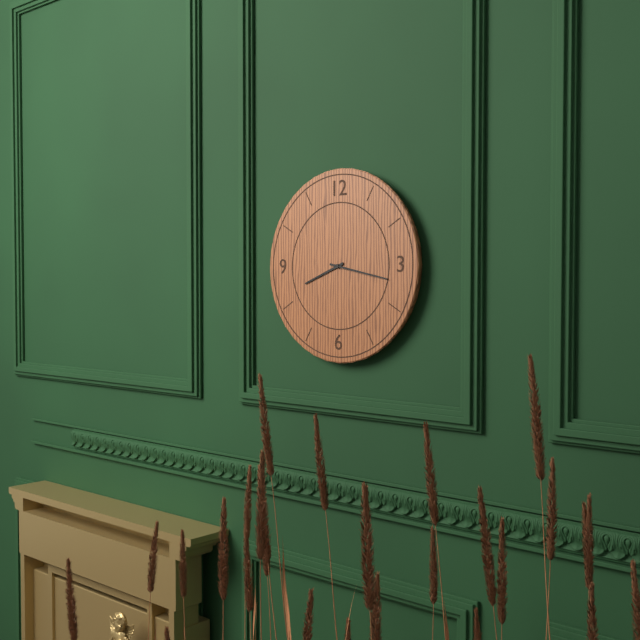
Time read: 8h17
